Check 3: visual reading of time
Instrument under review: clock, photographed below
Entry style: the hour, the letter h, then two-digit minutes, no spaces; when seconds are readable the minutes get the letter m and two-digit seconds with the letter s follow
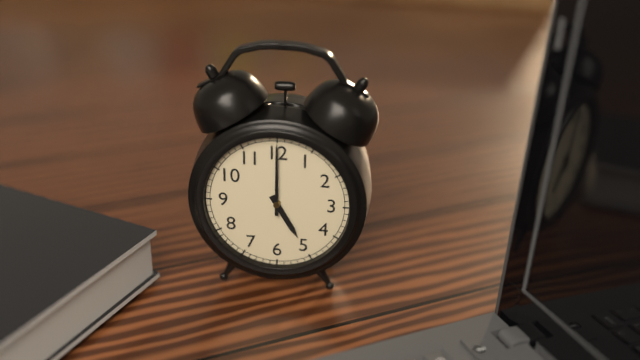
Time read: 5h00
